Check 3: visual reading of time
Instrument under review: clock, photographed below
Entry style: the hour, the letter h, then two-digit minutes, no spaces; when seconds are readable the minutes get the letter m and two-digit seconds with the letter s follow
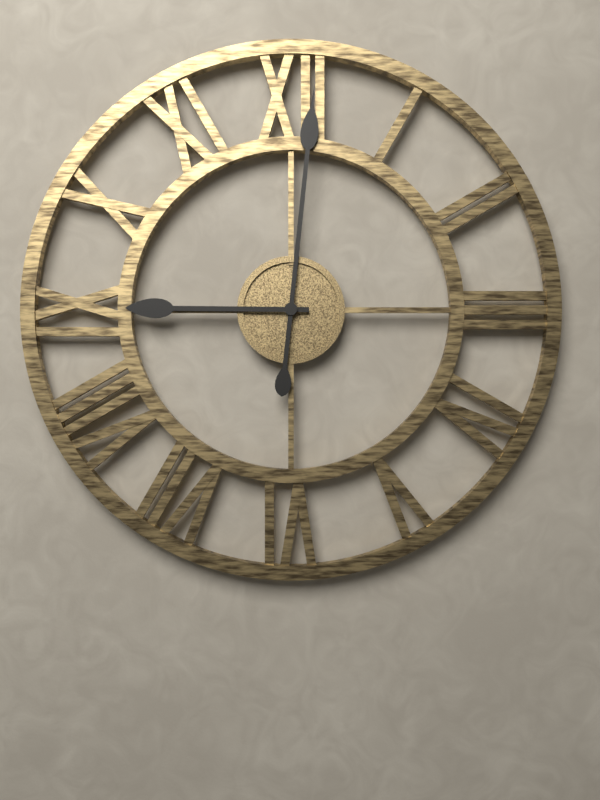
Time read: 9h01
